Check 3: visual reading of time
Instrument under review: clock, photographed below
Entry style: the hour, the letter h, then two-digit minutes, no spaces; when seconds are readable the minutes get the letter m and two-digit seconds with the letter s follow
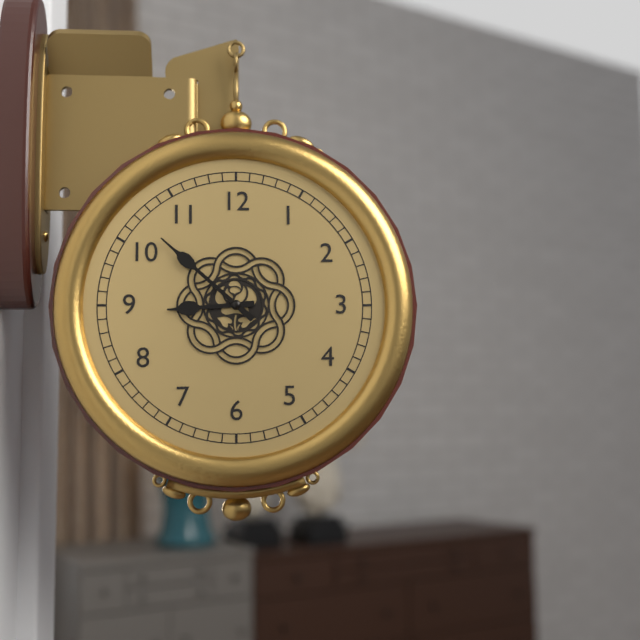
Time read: 8h52
